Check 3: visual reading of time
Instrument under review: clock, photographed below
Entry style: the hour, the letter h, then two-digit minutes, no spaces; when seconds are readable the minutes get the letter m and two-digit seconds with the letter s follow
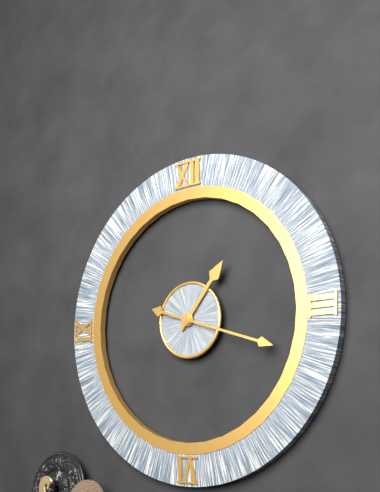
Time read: 1h18
